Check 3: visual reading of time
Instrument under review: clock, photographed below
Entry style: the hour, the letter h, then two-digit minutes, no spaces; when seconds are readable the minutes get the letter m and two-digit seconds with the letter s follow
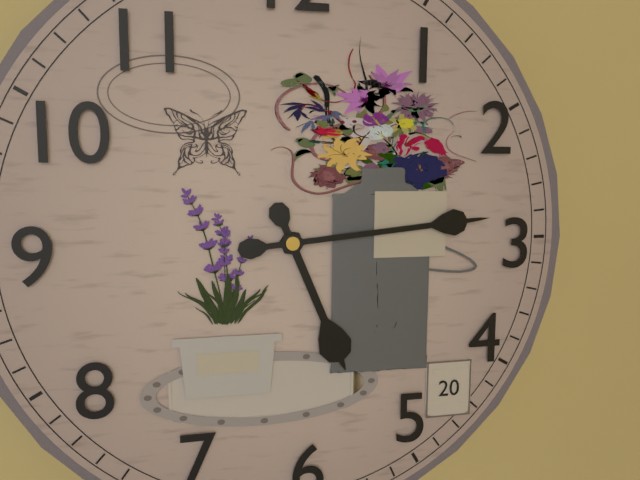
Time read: 5h14
